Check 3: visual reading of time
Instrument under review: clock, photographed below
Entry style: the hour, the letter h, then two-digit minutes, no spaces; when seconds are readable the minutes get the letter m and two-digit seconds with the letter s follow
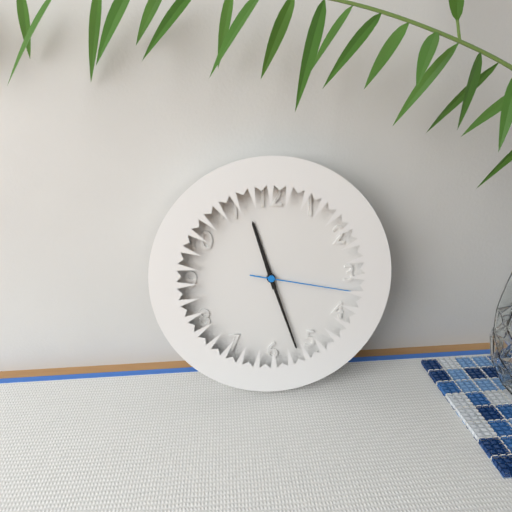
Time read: 11h27m17s
